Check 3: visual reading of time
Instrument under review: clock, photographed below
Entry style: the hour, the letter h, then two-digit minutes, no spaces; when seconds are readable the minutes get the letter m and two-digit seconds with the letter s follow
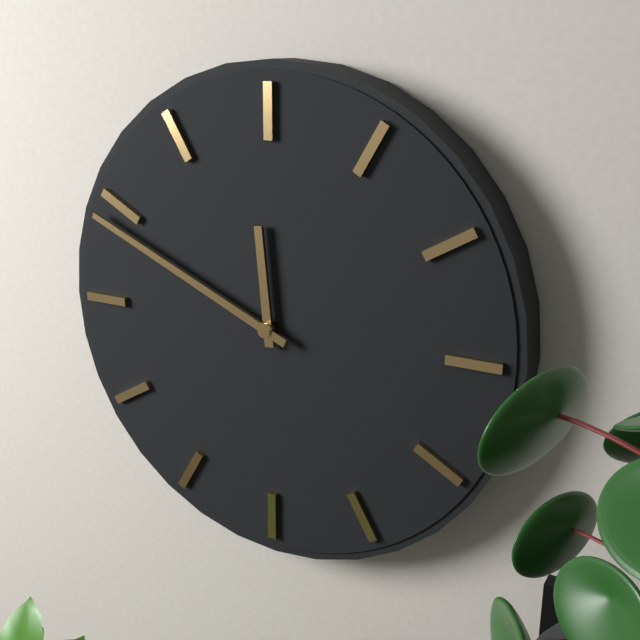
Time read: 11h49
